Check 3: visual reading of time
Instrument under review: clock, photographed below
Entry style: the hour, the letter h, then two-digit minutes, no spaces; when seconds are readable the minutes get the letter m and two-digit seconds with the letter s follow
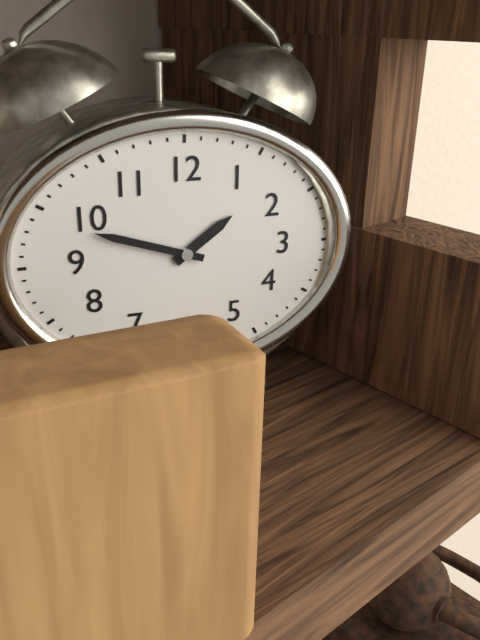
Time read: 1h48
